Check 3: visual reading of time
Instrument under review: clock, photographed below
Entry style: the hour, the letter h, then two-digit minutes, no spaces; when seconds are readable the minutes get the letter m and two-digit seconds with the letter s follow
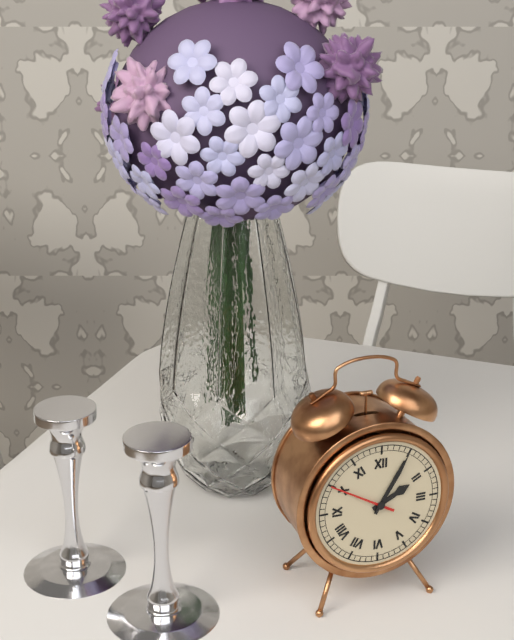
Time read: 2h05m50s
